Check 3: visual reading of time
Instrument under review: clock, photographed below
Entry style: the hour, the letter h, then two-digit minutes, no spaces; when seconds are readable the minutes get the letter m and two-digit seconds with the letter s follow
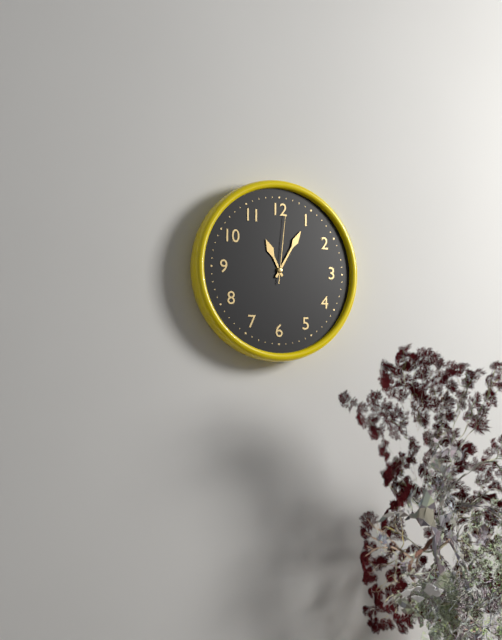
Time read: 11h05m01s
